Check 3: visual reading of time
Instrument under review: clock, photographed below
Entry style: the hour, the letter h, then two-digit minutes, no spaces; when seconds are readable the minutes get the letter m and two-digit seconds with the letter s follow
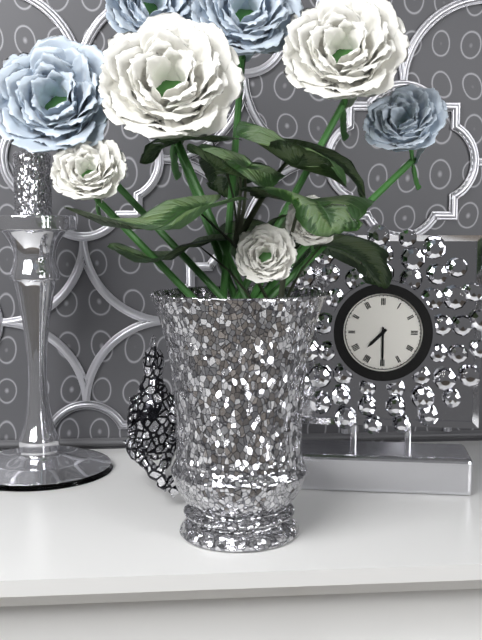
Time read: 7h30
